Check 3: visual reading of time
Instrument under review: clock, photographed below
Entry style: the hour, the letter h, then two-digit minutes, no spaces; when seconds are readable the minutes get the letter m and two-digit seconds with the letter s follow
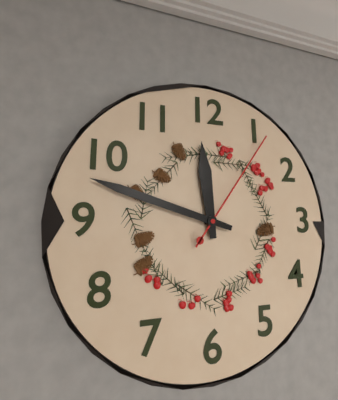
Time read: 11h48m06s
